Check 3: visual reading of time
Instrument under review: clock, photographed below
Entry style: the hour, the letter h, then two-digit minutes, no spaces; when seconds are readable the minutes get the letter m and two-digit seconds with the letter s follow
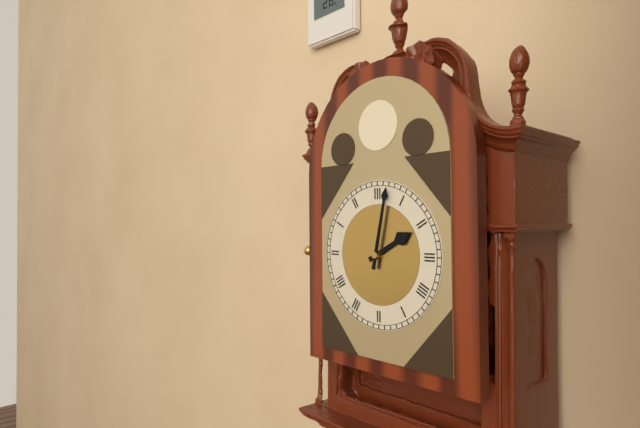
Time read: 2h02
